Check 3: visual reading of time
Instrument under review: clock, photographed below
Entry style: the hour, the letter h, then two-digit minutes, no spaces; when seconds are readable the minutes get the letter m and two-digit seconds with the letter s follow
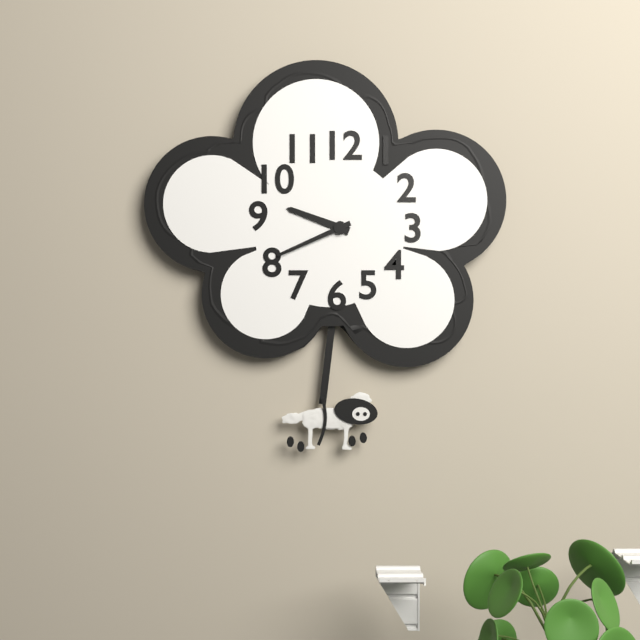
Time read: 9h41
